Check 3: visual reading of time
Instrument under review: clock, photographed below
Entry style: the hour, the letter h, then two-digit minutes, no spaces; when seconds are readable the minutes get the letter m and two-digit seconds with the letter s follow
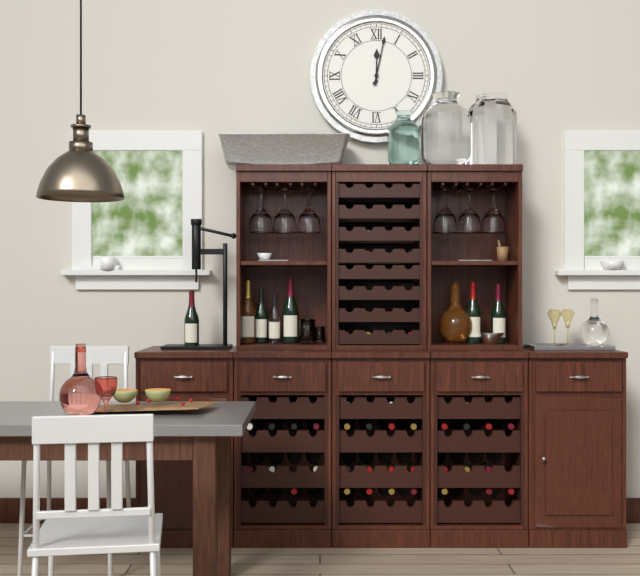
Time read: 12h02
